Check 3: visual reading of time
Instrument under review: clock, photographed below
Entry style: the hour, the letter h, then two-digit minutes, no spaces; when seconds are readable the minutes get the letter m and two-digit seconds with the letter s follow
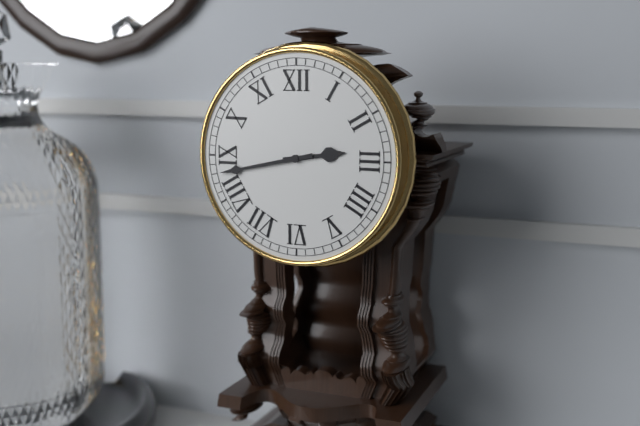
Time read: 2h43
